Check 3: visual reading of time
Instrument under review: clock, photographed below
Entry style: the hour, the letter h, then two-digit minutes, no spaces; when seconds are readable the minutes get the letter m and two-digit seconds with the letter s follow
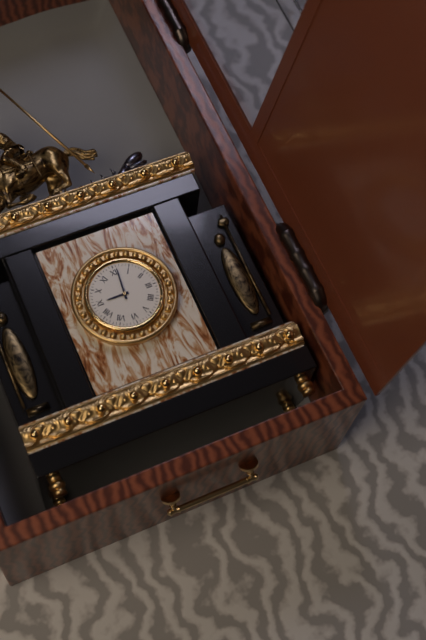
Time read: 9h01
